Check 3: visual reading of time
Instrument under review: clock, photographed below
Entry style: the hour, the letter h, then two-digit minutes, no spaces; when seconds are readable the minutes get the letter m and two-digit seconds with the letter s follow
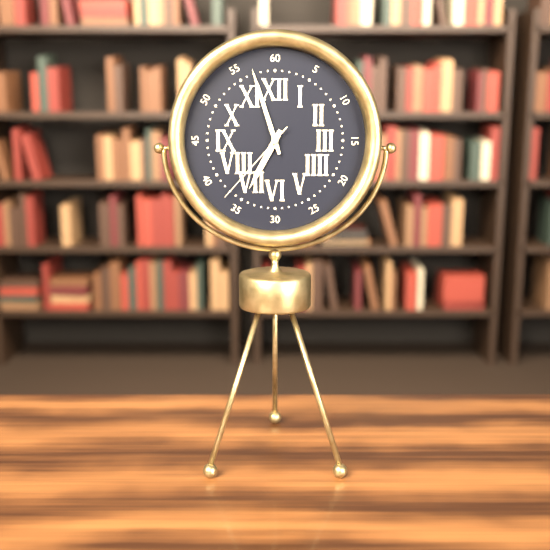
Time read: 6h57m37s
